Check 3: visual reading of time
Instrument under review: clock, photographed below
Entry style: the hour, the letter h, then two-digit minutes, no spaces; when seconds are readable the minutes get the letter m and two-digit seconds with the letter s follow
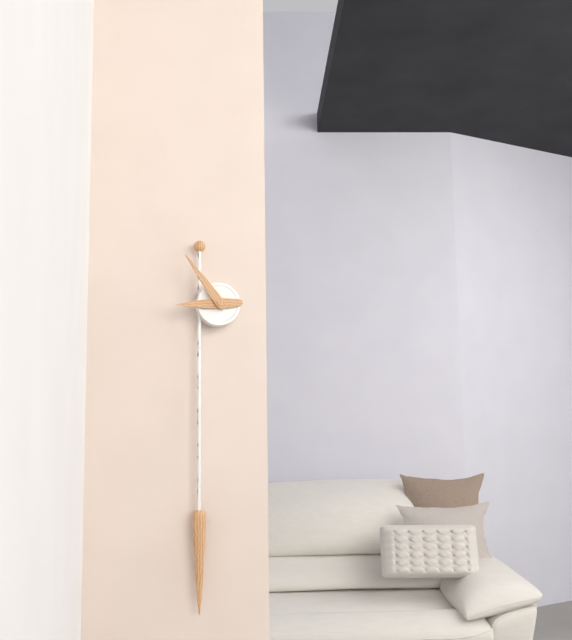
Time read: 8h54
